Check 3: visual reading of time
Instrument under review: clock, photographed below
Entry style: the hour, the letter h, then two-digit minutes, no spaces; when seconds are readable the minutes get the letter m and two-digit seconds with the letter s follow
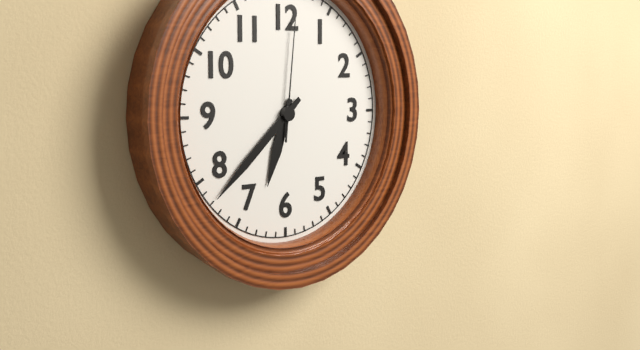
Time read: 6h38m01s
